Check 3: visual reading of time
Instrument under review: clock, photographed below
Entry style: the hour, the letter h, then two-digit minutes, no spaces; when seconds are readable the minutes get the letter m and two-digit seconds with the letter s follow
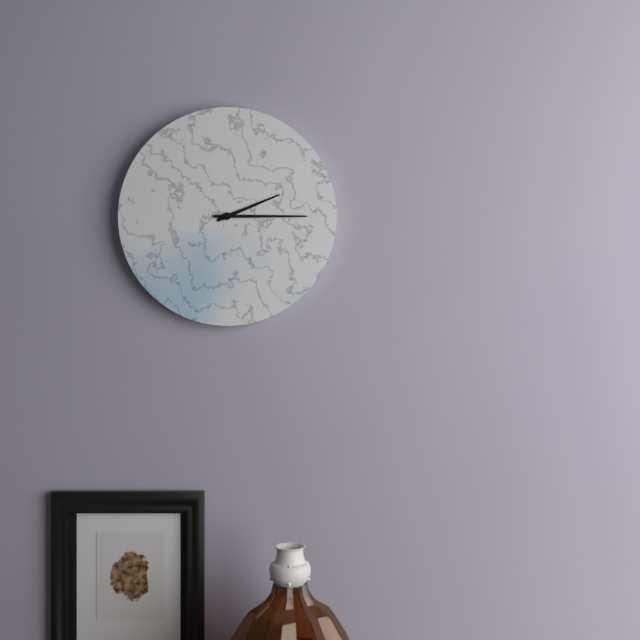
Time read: 2h15
